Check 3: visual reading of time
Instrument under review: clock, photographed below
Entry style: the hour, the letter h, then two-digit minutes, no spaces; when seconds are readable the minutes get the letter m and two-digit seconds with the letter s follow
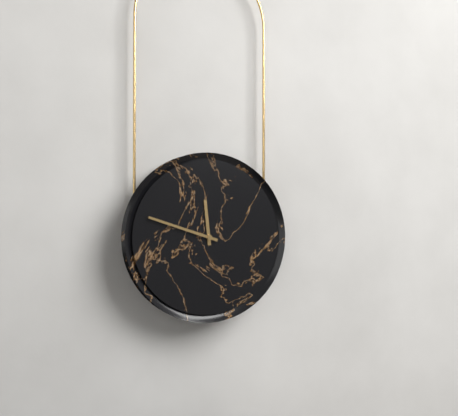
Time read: 11h48
